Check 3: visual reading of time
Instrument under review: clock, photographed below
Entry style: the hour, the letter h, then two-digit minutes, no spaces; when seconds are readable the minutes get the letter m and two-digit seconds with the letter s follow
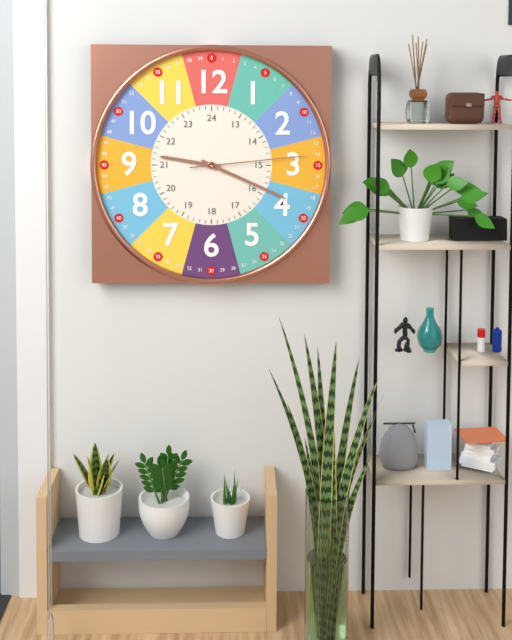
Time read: 9h19m14s
